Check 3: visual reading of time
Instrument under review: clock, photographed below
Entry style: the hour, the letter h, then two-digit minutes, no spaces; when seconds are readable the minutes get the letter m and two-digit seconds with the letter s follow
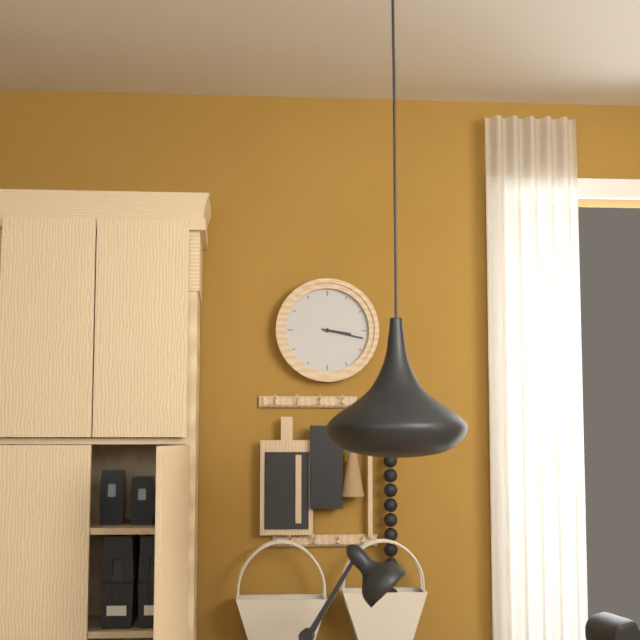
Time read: 3h17
